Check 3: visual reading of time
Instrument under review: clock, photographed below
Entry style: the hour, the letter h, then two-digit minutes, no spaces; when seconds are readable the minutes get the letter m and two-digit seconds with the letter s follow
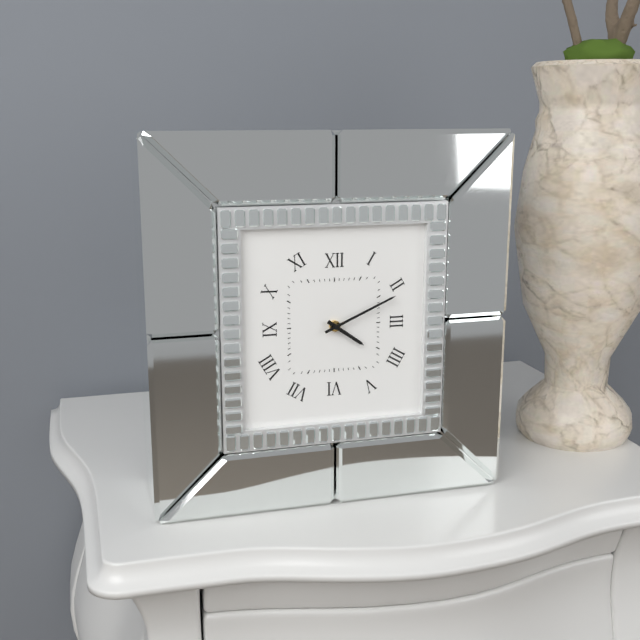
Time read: 4h11
